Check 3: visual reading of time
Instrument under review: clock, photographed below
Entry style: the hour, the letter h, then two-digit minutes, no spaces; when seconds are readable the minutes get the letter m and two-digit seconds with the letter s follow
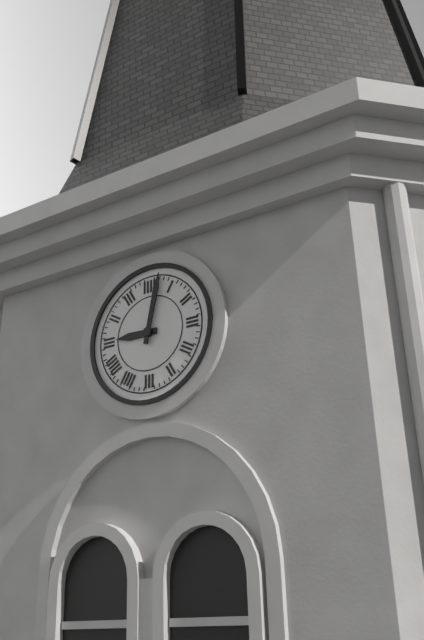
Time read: 9h02
